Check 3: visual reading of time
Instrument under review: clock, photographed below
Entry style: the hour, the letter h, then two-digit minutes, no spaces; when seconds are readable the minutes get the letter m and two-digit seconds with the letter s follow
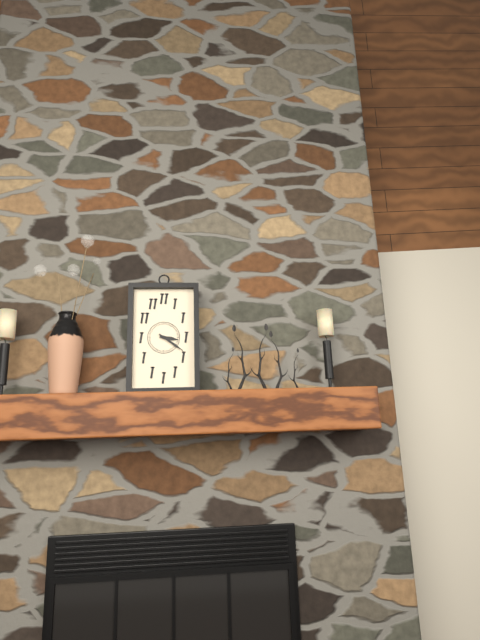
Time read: 3h21
